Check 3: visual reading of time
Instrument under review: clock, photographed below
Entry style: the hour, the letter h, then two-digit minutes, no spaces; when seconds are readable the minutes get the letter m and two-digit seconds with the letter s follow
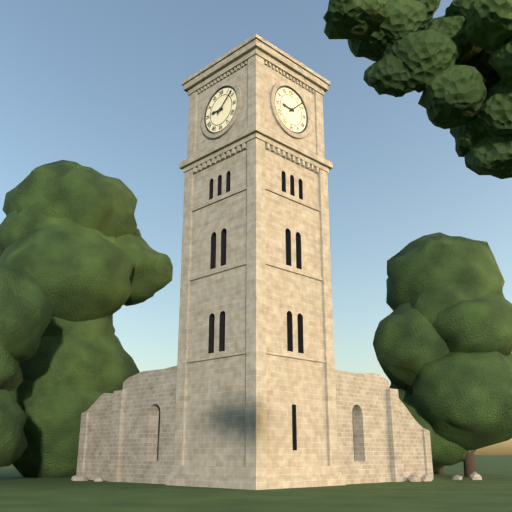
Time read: 9h08
